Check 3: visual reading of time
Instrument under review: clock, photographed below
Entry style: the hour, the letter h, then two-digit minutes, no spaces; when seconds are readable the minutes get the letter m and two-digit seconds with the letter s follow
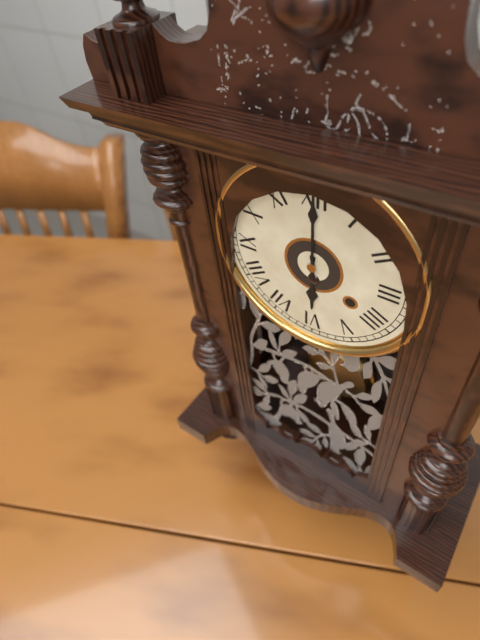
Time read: 6h00
